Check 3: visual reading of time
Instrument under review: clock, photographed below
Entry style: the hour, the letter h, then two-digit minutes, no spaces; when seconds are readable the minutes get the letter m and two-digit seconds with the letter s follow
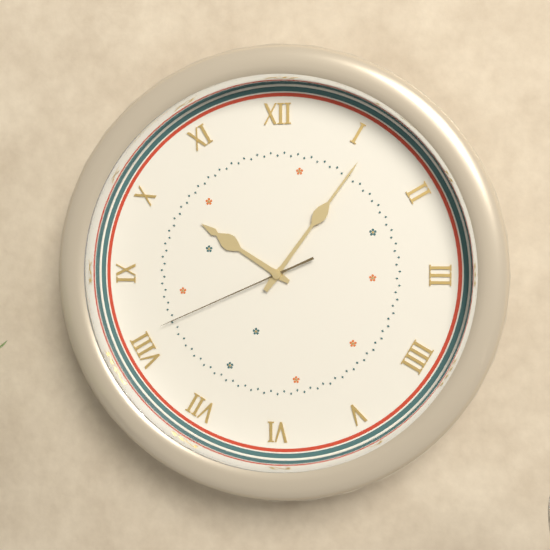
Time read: 10h06m41s
